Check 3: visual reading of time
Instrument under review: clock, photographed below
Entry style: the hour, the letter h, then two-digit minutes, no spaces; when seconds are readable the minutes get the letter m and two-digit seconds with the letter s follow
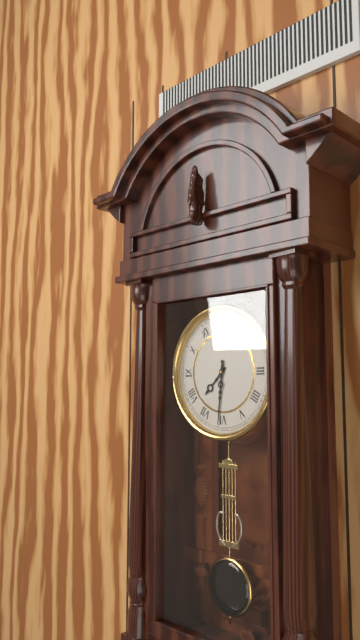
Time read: 7h31
